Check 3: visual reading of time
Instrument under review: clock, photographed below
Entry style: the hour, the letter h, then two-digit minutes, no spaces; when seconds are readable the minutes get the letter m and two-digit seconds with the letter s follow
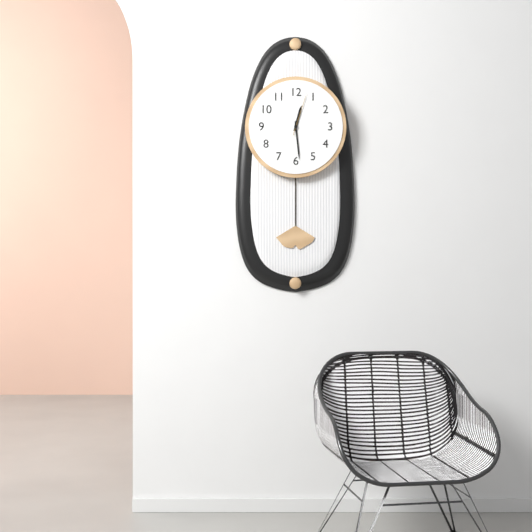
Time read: 12h29
